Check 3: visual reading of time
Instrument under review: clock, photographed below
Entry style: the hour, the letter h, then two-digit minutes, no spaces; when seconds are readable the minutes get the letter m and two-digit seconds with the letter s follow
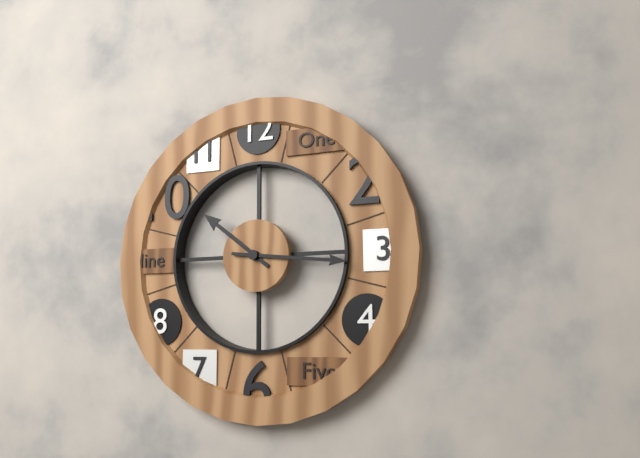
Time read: 10h16
